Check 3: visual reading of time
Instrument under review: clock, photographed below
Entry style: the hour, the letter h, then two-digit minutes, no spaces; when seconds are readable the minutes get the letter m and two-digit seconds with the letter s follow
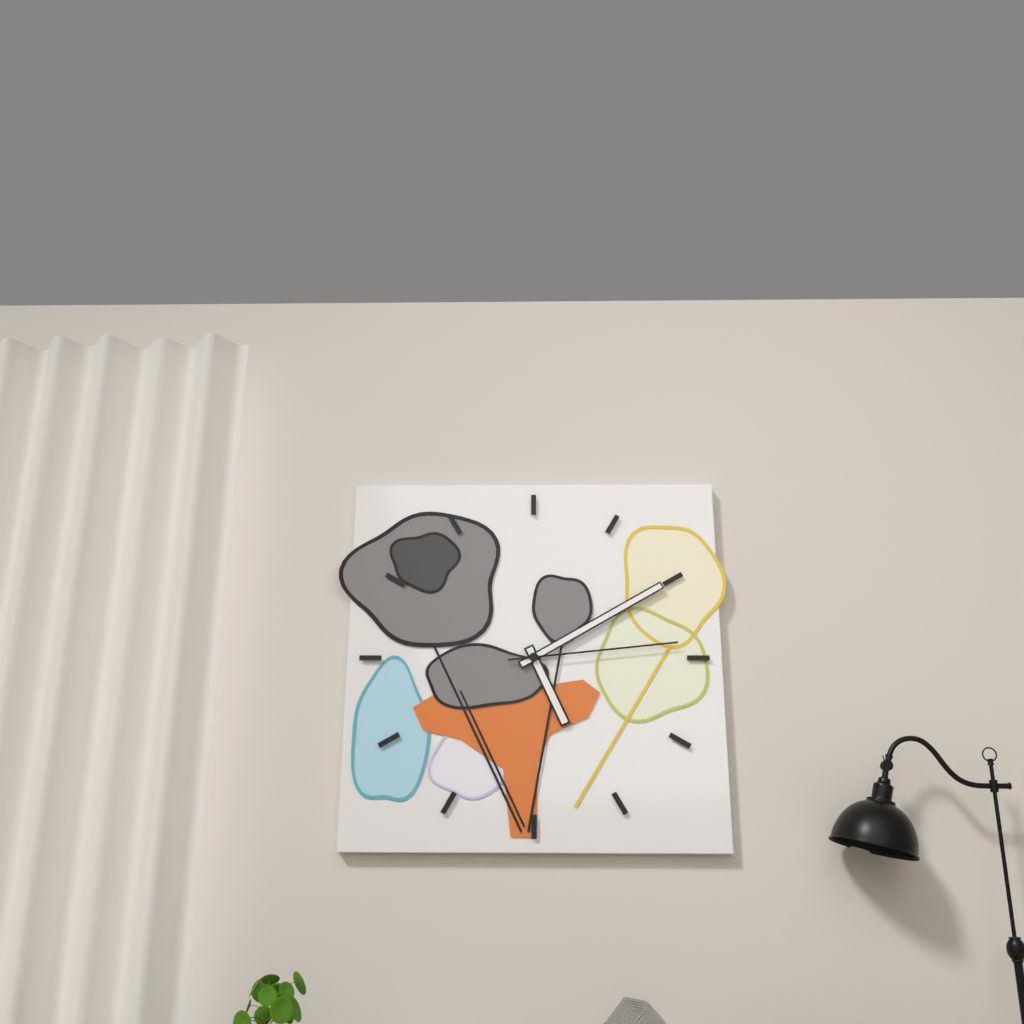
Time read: 5h10m14s
